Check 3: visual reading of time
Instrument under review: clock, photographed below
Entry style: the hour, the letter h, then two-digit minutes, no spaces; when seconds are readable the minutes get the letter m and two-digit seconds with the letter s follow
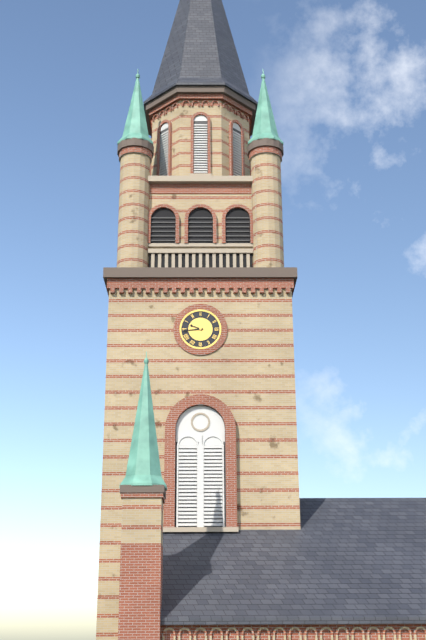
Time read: 9h44
